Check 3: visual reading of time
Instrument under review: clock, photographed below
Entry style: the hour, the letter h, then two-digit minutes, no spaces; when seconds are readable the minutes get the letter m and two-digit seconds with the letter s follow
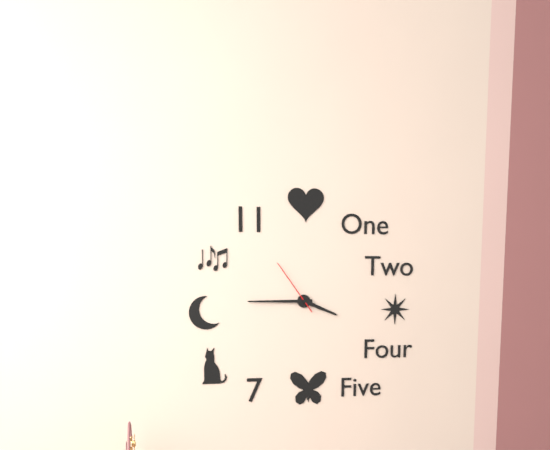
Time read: 3h45m54s
